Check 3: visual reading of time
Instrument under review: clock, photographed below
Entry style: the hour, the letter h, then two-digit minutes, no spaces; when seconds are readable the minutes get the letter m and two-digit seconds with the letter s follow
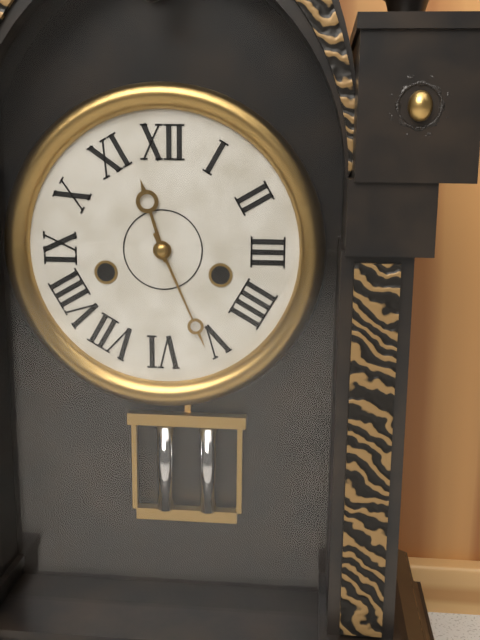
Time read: 11h26
